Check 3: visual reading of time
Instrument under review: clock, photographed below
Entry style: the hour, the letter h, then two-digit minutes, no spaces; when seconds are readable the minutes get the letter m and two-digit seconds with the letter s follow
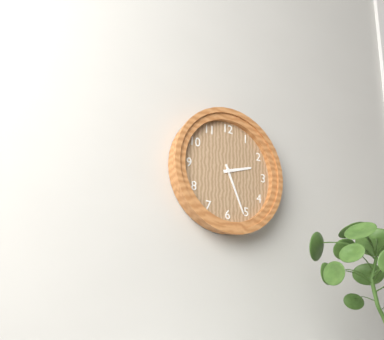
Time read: 2h26
